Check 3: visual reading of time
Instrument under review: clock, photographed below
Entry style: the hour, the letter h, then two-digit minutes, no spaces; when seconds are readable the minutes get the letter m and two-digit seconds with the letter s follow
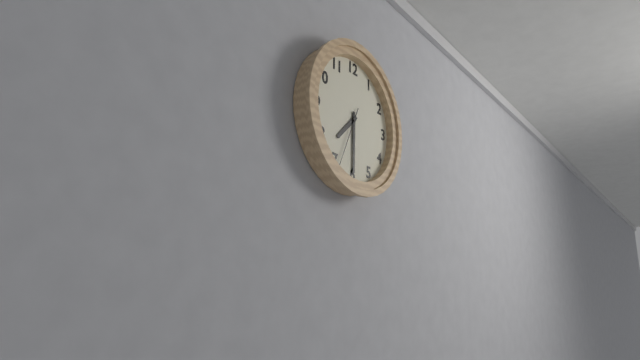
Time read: 7h30m34s
